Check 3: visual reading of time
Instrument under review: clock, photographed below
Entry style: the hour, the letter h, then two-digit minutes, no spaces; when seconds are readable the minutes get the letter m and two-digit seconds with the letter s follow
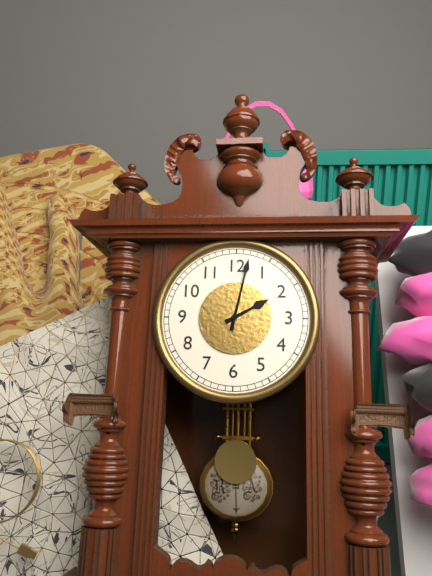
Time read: 2h02
